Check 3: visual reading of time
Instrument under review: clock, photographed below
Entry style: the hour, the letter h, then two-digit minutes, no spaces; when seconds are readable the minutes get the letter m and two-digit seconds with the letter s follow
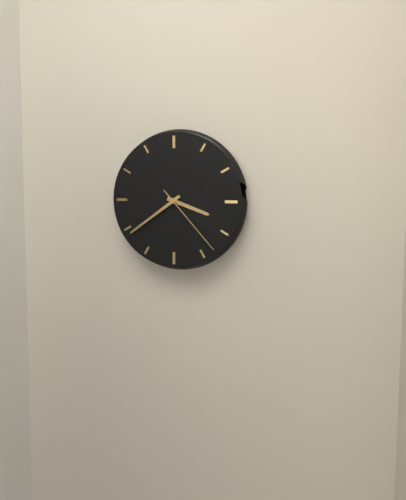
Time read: 3h39m23s
